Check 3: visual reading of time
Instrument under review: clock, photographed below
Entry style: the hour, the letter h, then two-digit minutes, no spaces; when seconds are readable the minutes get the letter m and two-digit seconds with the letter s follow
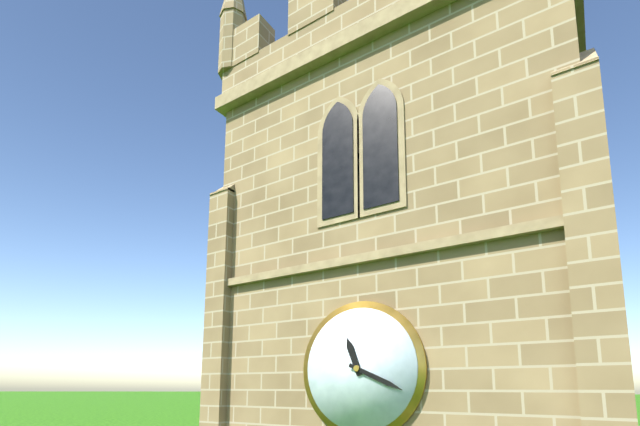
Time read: 11h19
